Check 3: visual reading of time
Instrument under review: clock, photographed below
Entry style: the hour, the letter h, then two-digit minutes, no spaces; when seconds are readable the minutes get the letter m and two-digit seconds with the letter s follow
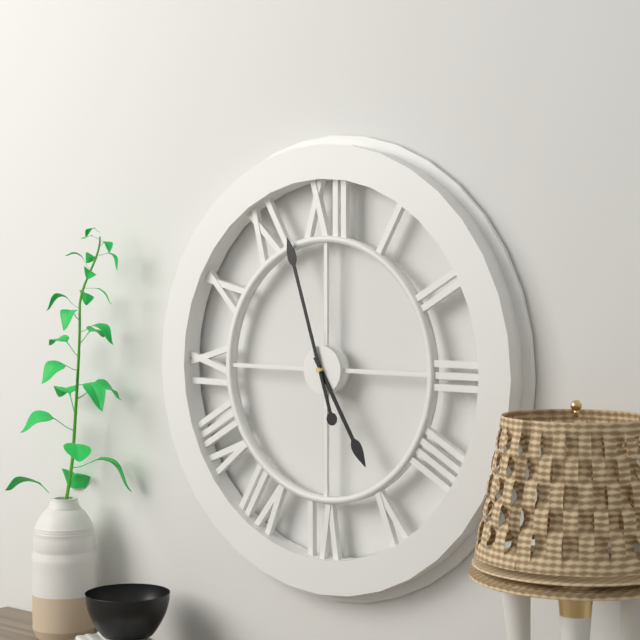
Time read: 4h57
